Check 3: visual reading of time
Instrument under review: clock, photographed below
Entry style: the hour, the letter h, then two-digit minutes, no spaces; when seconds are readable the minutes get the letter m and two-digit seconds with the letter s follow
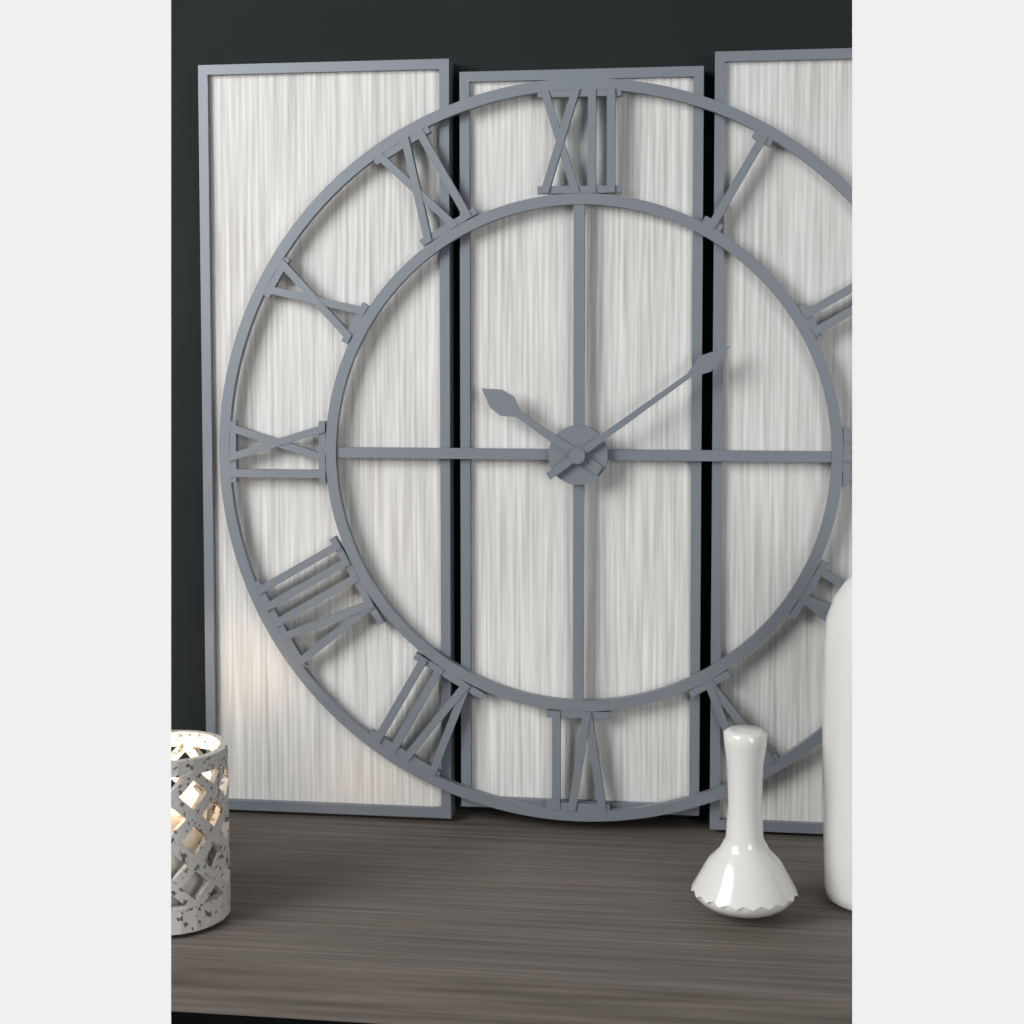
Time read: 10h09
